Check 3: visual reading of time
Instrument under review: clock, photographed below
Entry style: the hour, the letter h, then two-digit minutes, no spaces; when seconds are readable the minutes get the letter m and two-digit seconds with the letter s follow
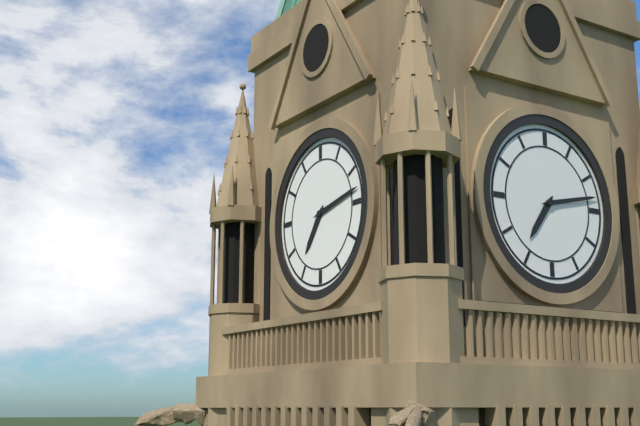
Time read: 7h13
